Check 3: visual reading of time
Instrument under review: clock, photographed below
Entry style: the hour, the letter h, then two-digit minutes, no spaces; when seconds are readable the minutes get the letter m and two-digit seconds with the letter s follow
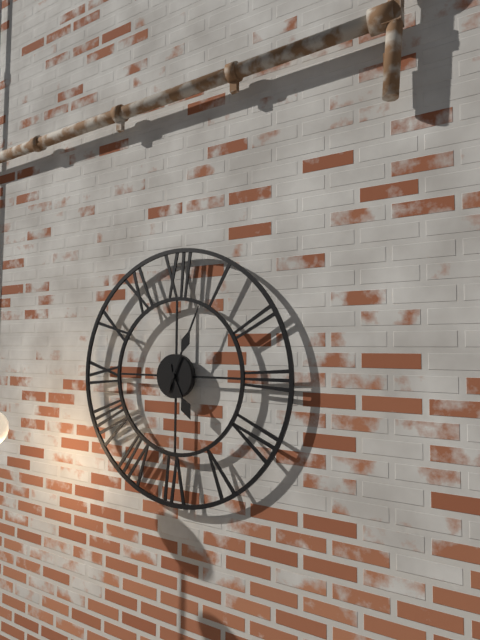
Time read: 5h04
